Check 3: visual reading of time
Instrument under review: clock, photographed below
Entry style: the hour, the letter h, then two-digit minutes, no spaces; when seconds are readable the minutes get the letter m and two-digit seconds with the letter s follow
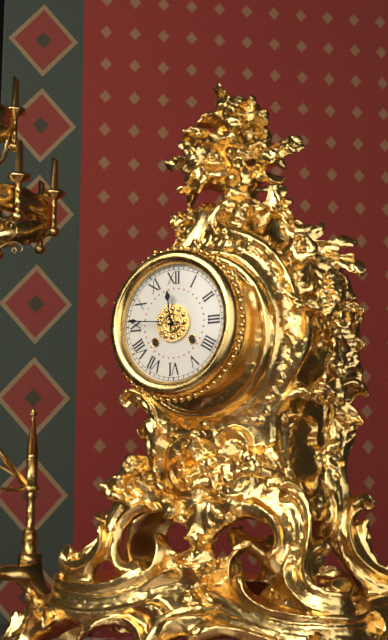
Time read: 11h46
